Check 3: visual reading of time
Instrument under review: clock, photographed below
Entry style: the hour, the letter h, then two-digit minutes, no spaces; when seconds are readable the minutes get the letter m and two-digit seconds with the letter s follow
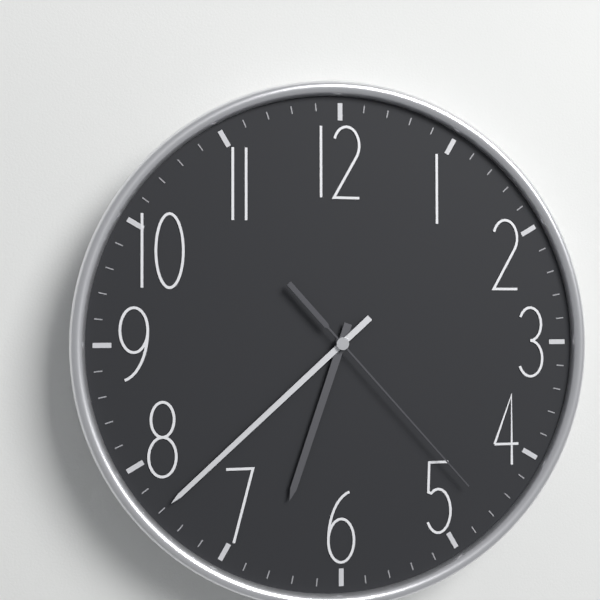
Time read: 6h38m23s
